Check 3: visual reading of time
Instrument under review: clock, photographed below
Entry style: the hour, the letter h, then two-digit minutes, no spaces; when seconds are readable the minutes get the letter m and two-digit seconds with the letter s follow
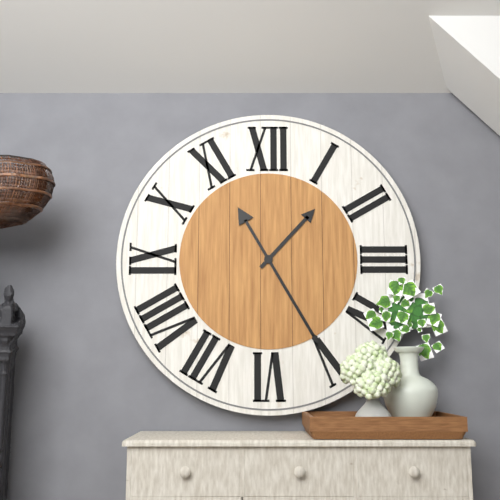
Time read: 1h25
